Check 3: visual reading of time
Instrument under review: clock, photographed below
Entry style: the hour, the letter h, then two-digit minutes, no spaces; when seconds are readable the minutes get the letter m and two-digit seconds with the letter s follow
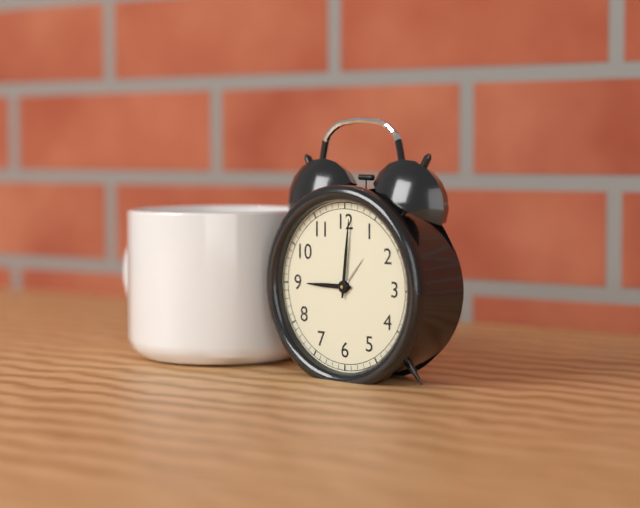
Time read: 9h01
